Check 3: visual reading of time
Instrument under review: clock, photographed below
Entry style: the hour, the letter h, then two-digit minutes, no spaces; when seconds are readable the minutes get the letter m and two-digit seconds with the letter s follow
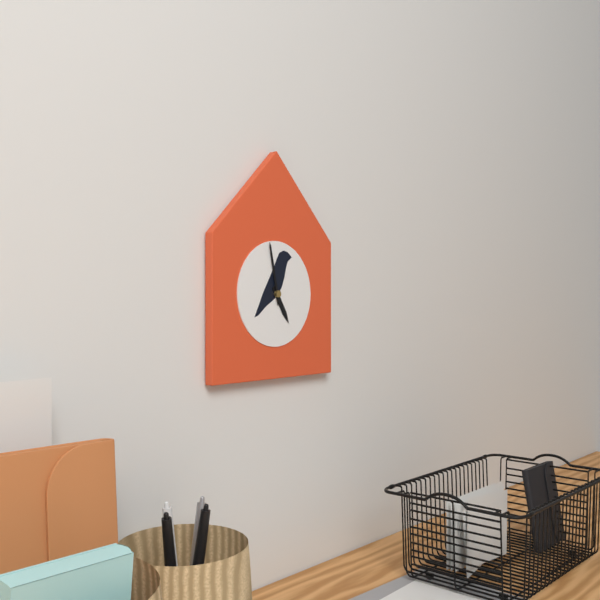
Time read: 4h58
